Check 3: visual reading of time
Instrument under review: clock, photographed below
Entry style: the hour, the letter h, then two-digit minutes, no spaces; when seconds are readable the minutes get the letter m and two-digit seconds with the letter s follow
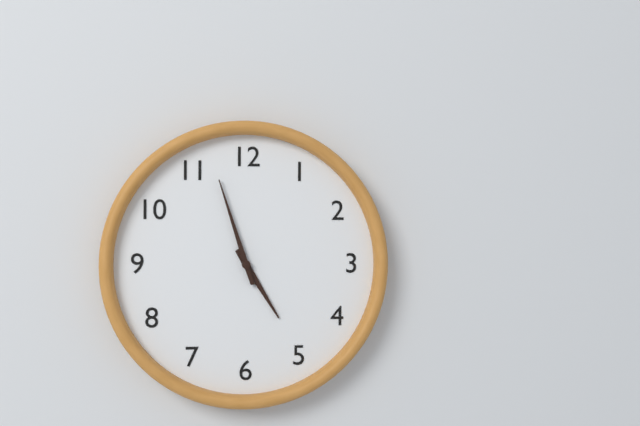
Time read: 4h57
